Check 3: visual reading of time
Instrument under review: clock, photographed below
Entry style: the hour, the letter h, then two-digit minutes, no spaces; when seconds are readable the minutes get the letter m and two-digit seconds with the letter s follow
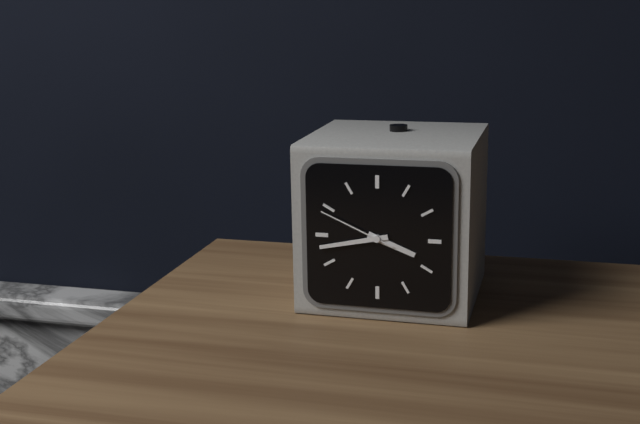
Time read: 3h43m49s
